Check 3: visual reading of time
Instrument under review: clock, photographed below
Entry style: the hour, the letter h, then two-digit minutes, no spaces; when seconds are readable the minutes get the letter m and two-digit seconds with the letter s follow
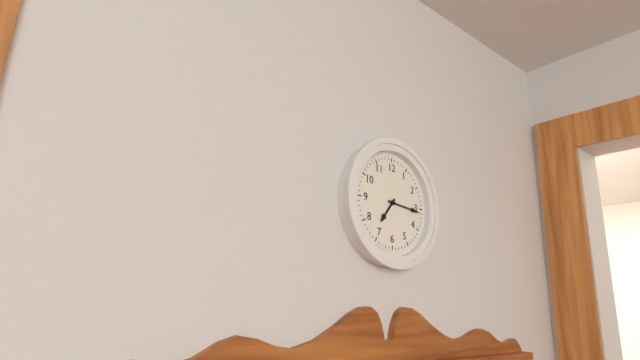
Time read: 7h16
